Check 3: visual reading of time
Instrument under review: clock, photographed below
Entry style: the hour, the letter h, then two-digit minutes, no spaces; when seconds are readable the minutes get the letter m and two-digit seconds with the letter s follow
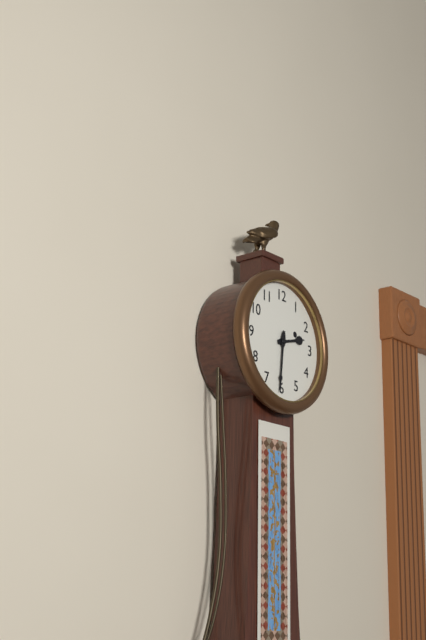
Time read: 2h31
